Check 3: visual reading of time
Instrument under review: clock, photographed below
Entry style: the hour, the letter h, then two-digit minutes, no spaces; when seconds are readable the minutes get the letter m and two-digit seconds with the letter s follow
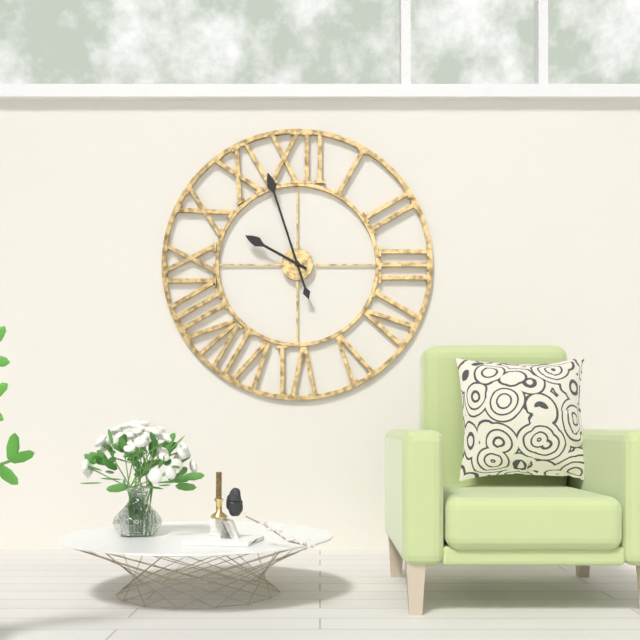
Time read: 9h57
